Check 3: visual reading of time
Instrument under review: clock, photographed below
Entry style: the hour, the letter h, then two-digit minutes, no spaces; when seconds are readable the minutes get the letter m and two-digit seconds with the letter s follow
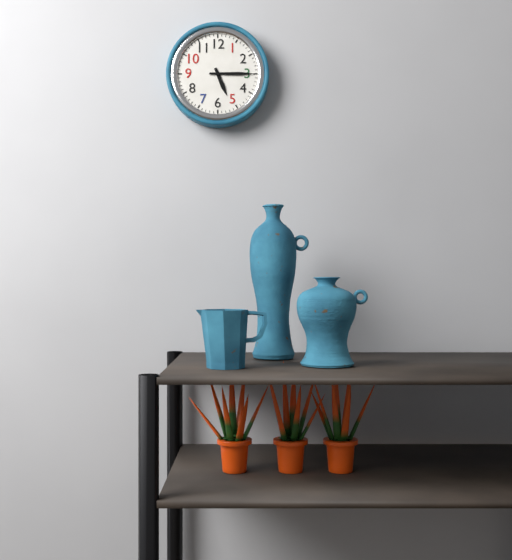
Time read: 5h15
